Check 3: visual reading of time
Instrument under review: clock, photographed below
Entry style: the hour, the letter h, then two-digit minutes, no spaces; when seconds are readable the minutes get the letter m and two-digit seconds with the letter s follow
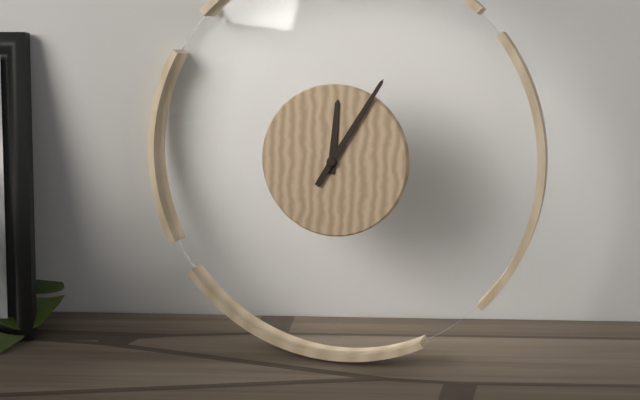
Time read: 12h05
